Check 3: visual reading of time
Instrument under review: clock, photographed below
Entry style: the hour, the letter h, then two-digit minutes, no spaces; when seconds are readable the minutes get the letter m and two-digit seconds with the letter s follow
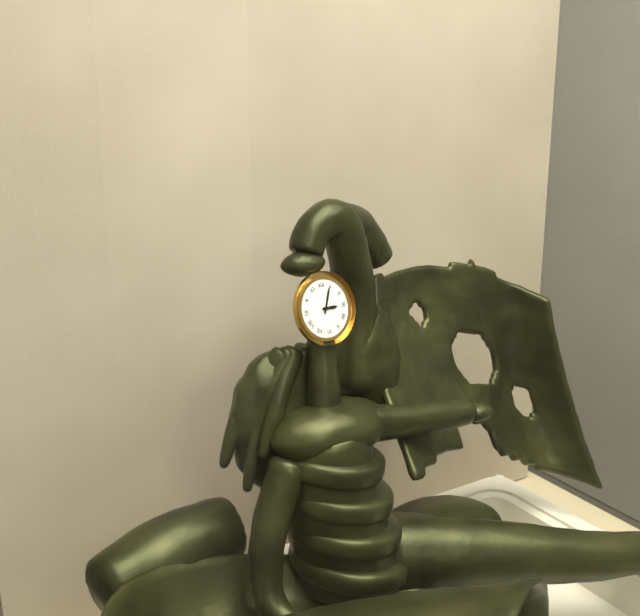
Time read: 3h04
